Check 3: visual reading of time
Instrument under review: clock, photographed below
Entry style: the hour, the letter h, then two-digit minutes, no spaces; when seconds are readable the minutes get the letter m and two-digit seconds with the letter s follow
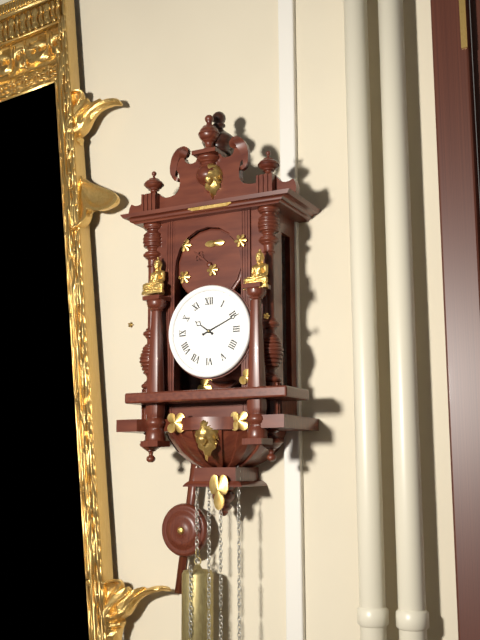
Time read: 10h11
